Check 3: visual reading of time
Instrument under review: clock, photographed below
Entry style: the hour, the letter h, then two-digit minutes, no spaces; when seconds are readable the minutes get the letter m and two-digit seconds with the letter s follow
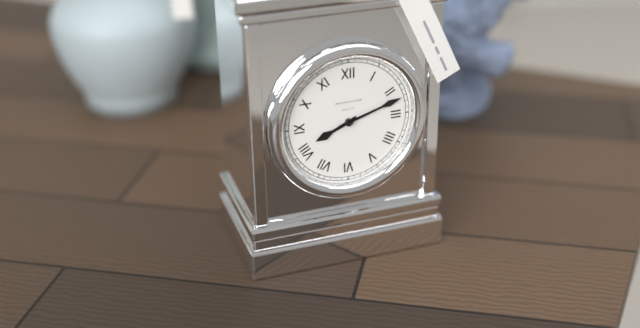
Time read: 8h12
